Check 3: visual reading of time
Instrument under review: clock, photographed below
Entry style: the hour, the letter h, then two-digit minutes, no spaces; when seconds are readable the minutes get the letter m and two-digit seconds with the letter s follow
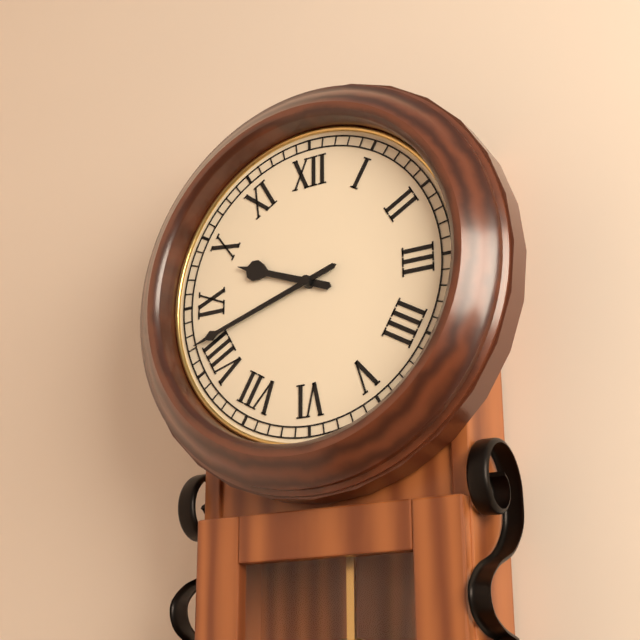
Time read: 9h42
